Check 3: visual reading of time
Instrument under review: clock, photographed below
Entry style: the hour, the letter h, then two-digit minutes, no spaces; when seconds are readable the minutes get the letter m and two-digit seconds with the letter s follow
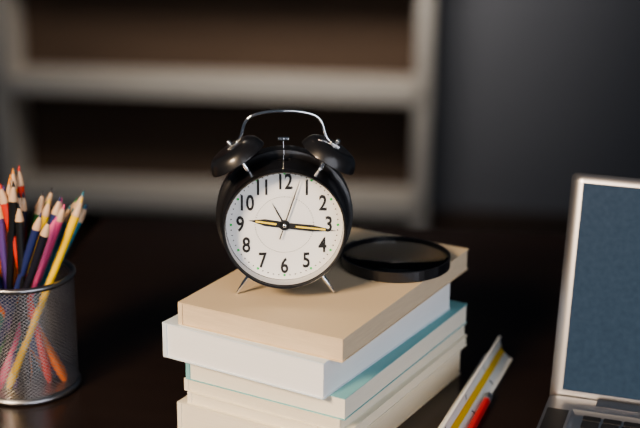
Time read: 9h16m03s
